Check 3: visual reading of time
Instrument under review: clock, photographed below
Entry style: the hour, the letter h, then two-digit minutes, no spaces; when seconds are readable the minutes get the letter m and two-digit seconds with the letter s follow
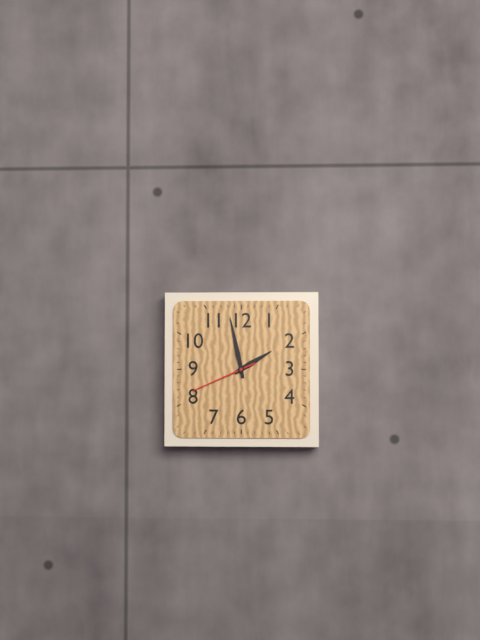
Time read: 1h58m41s
